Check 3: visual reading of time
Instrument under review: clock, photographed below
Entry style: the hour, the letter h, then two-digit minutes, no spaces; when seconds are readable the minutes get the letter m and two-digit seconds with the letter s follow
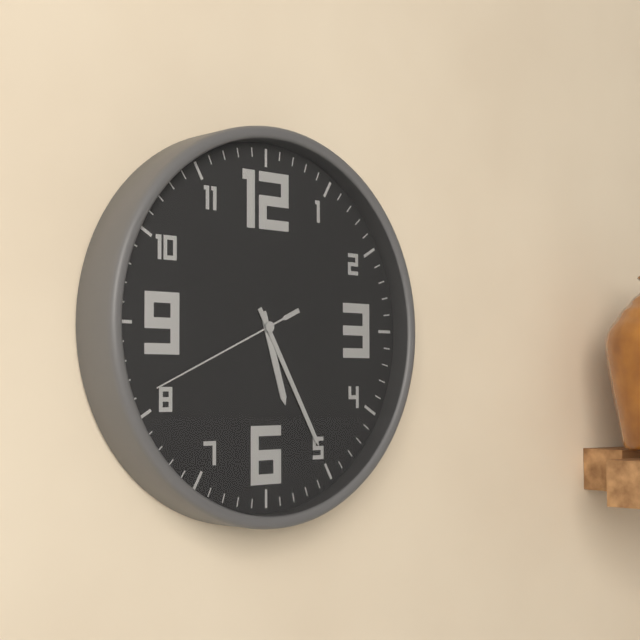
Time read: 5h25m41s
